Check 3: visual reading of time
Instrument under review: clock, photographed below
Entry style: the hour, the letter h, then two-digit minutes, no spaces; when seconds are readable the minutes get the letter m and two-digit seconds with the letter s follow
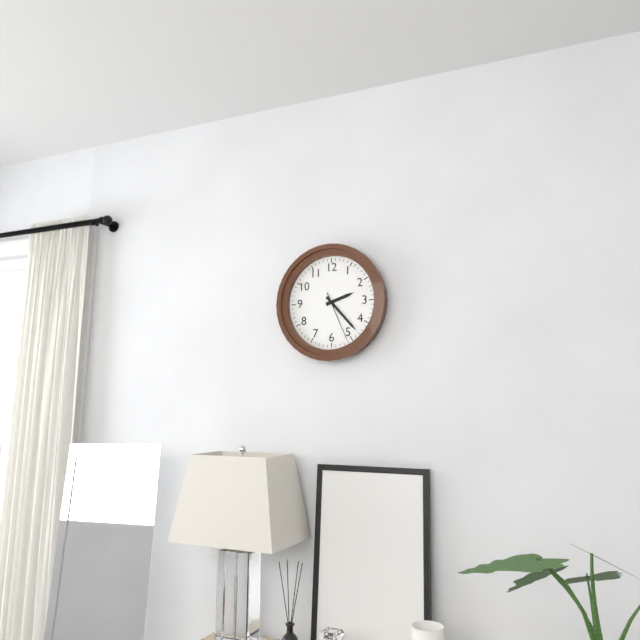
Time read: 2h23m26s
